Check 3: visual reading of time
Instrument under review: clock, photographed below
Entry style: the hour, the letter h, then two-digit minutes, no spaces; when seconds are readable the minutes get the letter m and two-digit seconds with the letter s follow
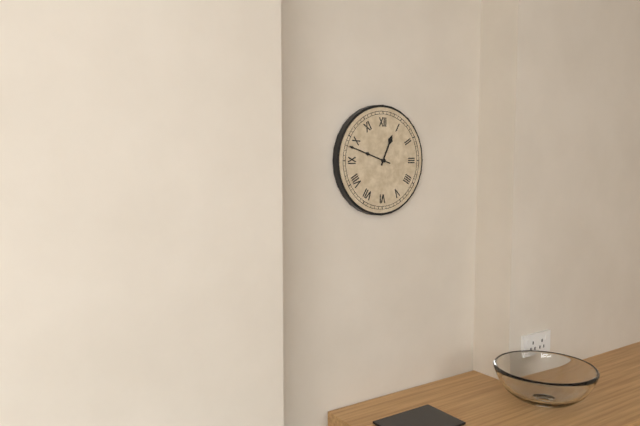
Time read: 12h48
